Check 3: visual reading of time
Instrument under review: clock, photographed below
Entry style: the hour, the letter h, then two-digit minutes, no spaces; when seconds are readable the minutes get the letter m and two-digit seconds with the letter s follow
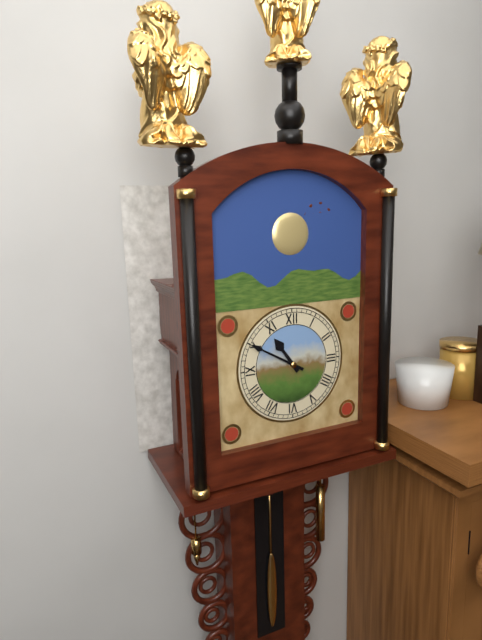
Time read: 10h50
